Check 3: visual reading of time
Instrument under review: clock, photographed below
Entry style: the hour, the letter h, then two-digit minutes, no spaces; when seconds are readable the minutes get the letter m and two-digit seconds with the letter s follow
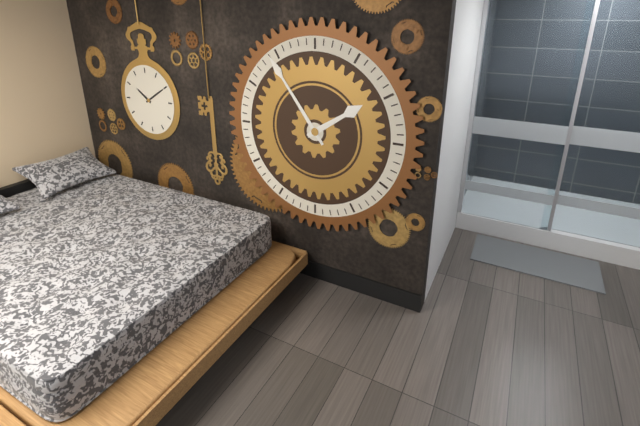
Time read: 1h54
